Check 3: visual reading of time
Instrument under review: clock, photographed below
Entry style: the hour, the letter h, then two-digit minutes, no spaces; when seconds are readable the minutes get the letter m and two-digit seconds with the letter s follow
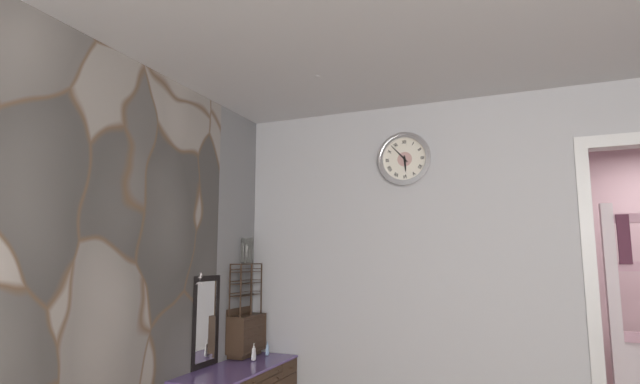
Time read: 5h53
